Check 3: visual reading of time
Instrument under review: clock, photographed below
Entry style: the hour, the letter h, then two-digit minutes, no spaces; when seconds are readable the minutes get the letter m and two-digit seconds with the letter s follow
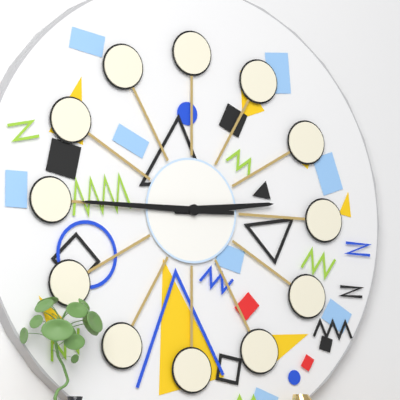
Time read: 2h45
